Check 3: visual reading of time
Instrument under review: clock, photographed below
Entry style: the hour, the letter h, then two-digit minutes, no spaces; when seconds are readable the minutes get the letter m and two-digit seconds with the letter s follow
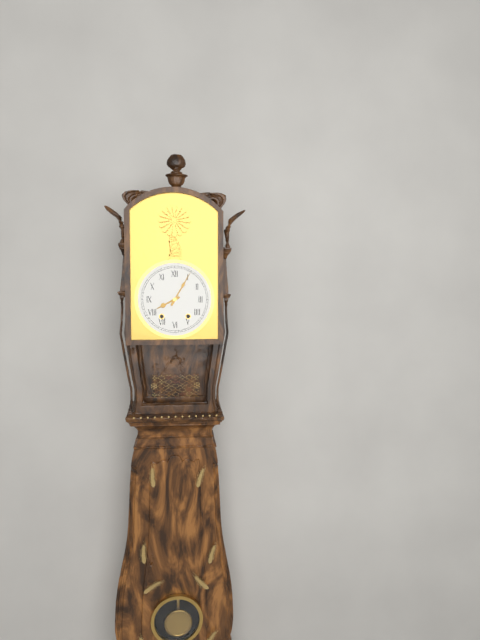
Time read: 8h05
